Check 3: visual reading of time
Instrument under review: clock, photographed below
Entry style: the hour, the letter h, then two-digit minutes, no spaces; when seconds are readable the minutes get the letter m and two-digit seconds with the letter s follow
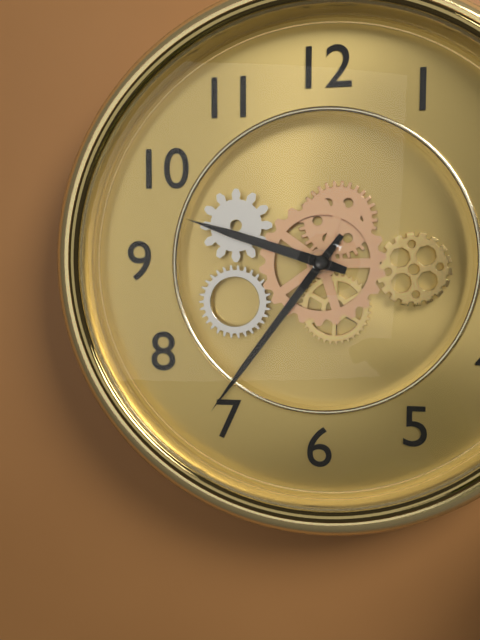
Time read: 9h36
